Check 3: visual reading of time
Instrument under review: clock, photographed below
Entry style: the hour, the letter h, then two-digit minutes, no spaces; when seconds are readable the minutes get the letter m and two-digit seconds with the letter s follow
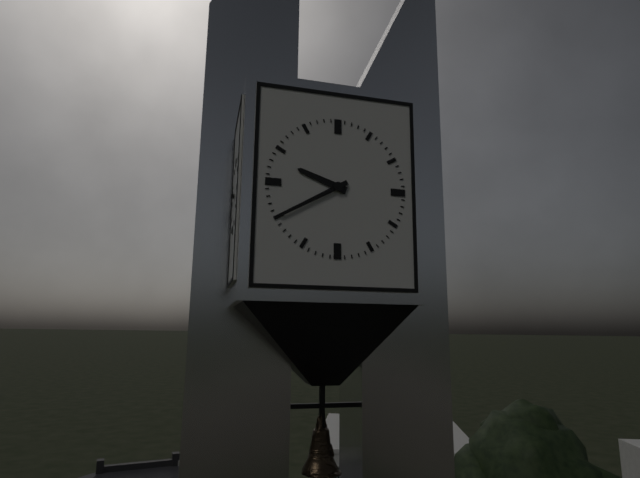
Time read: 9h40
